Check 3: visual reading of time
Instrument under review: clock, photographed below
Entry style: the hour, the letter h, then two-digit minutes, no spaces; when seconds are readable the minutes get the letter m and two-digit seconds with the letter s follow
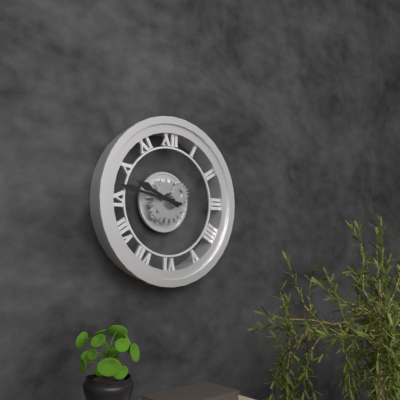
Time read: 9h47
